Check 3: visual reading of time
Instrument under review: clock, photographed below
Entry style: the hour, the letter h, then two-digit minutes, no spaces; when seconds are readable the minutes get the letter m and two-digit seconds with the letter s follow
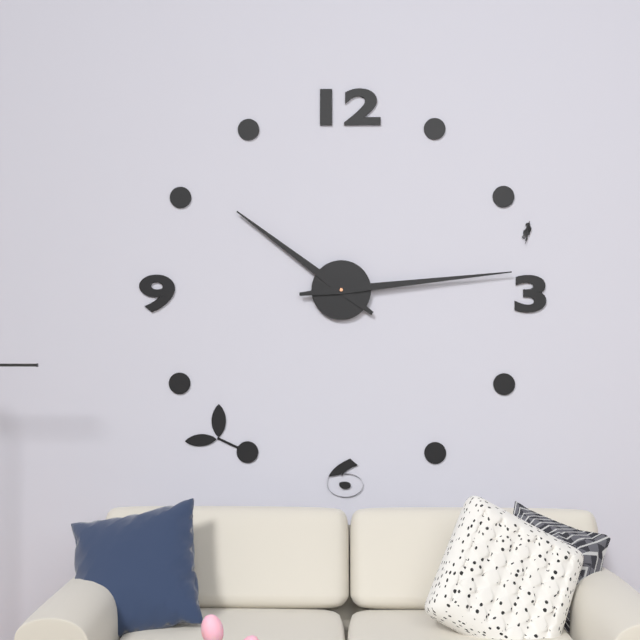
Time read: 10h14
